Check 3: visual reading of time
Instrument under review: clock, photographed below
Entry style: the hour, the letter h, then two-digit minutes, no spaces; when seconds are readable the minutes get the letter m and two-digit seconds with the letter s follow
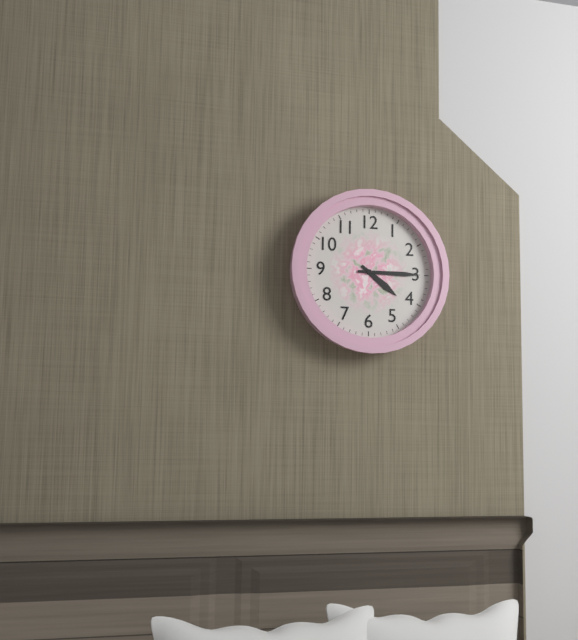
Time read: 4h15
